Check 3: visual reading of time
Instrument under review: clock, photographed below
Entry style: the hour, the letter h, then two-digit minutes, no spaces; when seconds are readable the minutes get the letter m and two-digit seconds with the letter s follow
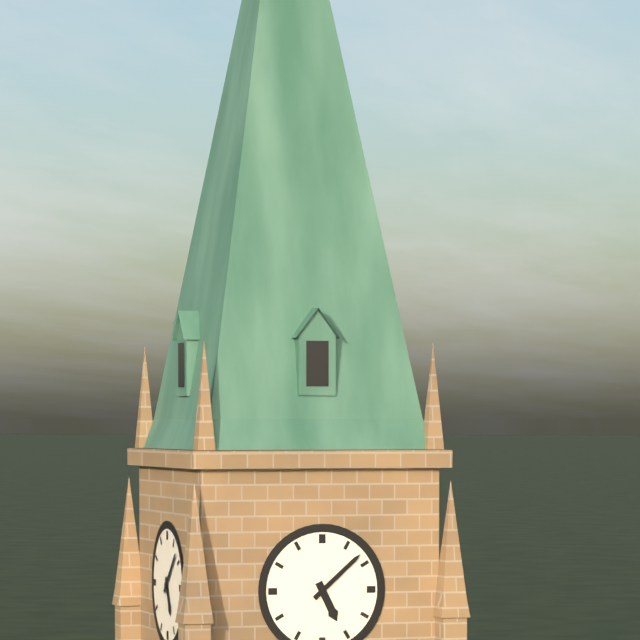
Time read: 5h08
